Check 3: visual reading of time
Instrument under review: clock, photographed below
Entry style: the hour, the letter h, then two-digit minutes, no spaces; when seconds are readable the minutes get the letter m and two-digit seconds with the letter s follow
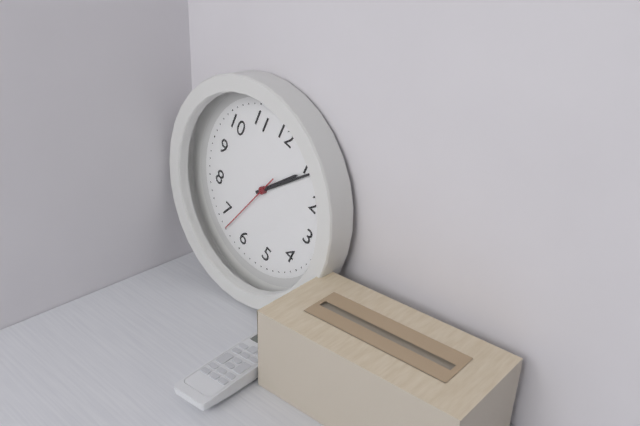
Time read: 1h06m33s
